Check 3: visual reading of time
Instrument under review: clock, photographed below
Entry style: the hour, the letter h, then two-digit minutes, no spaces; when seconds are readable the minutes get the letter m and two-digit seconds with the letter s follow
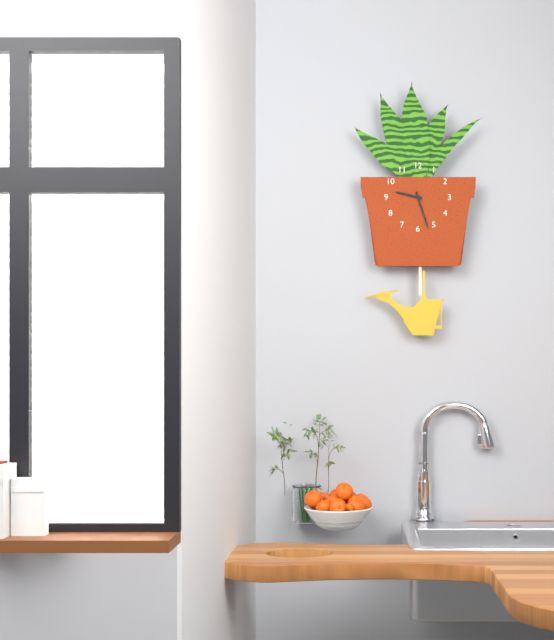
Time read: 9h27
